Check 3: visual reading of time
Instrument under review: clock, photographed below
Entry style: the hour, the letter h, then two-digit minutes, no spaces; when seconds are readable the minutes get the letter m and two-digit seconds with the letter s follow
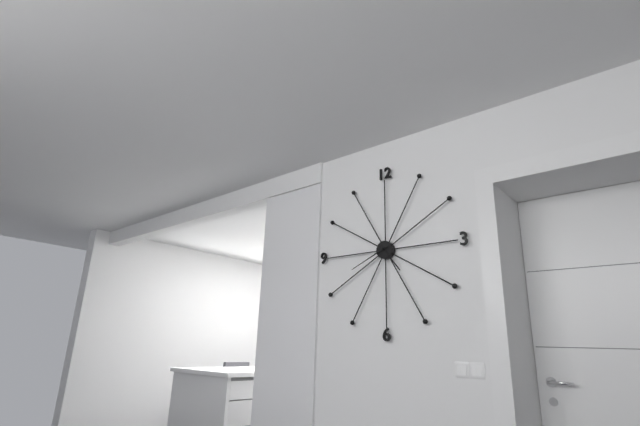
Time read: 4h41
